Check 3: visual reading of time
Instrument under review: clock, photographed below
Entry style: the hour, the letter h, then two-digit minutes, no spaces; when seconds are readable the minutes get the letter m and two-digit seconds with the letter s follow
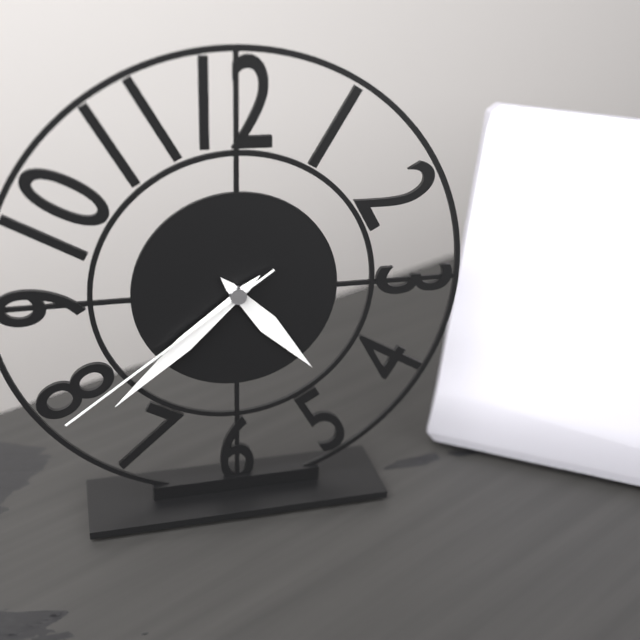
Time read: 4h38m39s
